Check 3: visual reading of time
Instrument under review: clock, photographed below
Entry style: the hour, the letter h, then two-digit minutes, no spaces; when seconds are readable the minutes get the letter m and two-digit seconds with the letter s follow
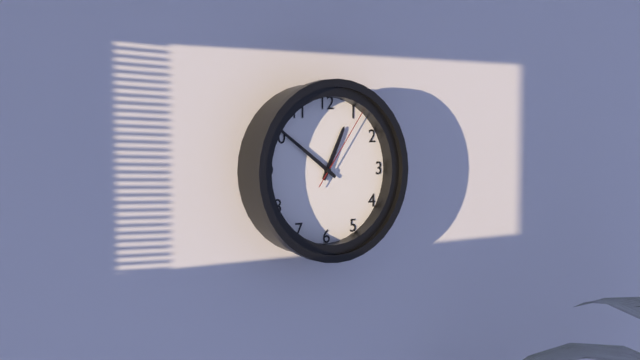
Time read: 12h51m06s
